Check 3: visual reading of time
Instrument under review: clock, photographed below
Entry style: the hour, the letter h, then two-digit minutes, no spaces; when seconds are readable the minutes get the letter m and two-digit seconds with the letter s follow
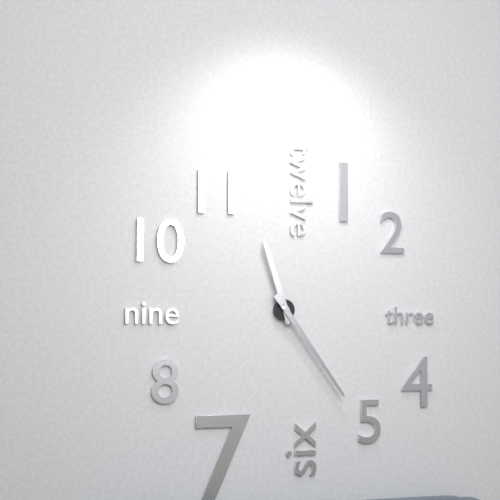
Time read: 11h24
